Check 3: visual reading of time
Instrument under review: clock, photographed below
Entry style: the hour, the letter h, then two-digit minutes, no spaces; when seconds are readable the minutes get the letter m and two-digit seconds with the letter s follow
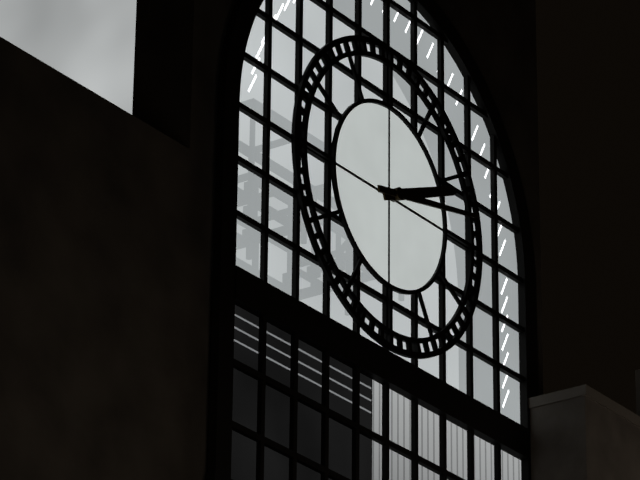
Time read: 2h13
